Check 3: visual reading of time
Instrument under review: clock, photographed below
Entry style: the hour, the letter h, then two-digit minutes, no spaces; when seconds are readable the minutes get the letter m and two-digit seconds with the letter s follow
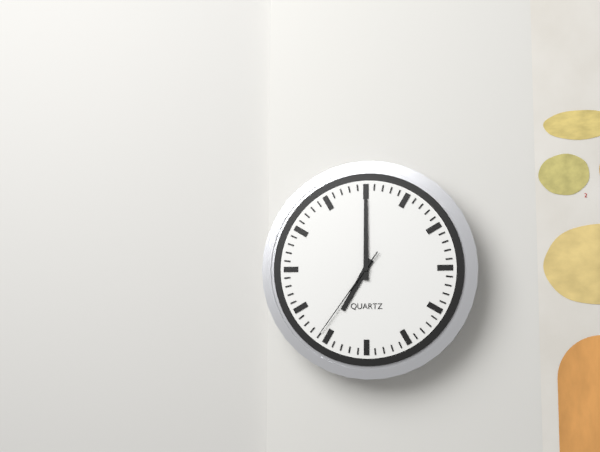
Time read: 7h00m36s
